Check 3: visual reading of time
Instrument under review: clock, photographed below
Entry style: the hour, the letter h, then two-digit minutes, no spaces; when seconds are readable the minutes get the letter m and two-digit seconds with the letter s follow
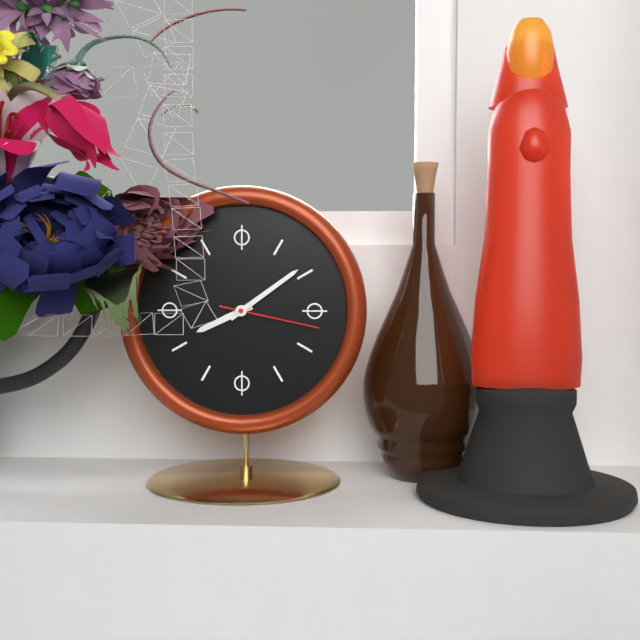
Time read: 8h09m17s
